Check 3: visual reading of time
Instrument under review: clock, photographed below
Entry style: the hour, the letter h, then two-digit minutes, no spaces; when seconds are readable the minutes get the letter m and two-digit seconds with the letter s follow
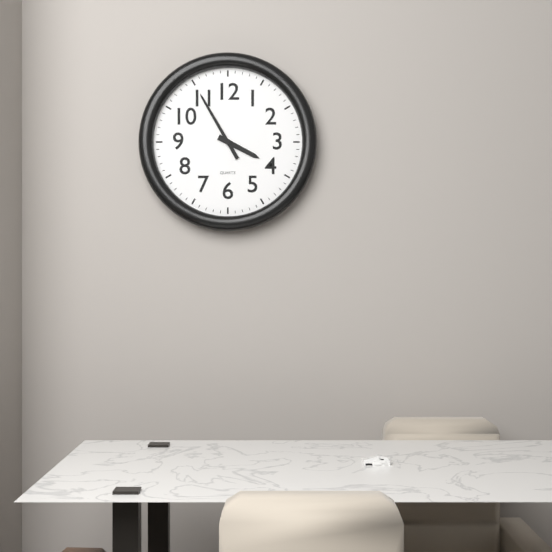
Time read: 3h55
